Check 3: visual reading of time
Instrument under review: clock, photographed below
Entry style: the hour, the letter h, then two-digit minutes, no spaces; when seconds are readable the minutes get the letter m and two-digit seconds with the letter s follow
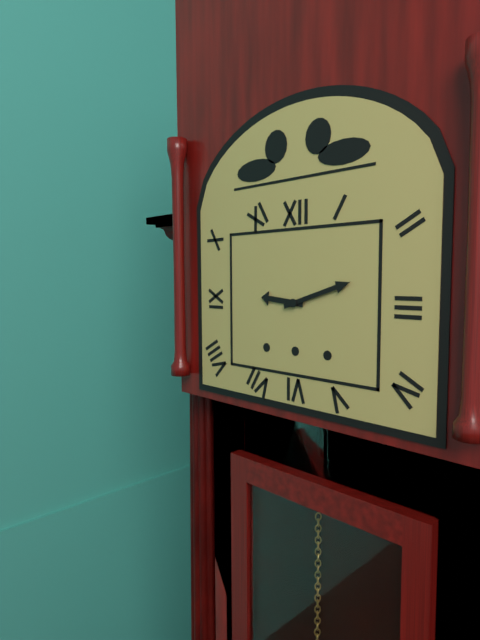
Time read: 9h12
